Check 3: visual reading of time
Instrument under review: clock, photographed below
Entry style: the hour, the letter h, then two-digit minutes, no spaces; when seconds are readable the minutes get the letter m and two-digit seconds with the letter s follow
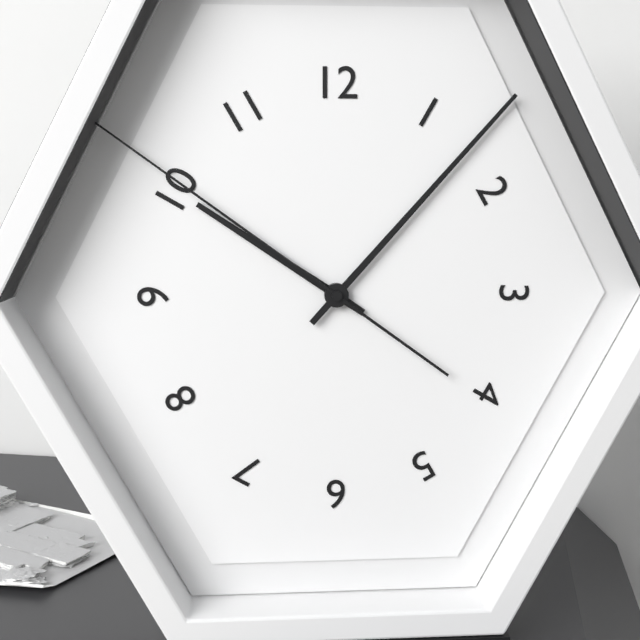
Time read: 10h07m51s
